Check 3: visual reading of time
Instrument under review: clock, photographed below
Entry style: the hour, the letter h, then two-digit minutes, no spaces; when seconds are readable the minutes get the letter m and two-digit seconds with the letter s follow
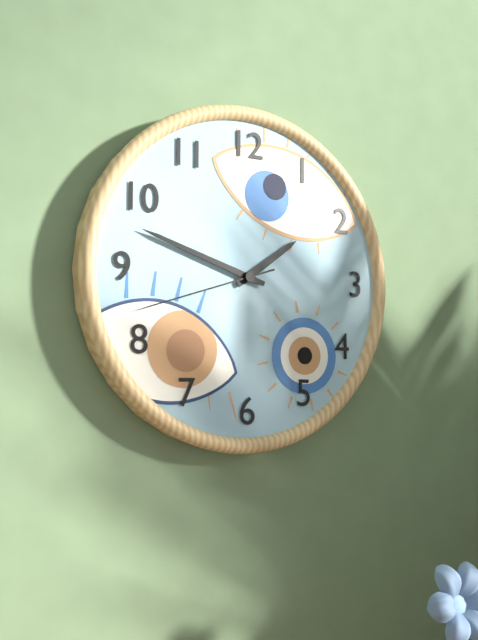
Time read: 1h48m42s
